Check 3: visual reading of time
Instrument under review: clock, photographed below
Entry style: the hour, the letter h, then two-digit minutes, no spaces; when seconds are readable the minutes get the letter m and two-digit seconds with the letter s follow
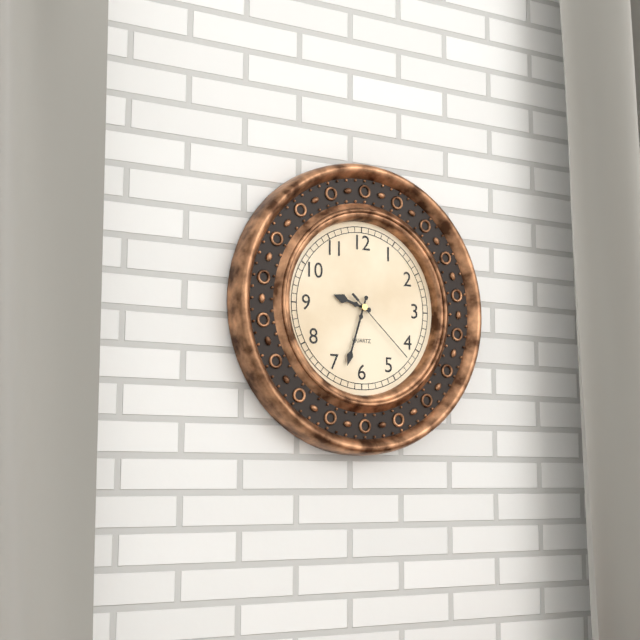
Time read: 9h33m22s
